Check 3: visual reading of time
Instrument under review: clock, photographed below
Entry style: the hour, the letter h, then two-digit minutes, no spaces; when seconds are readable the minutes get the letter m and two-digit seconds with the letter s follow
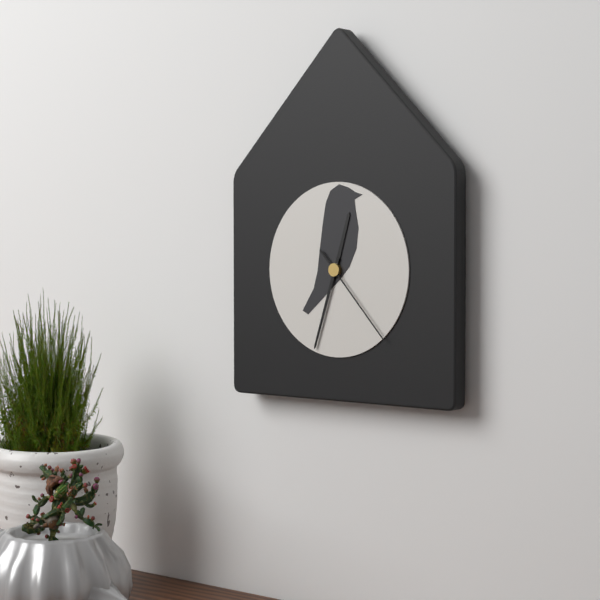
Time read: 12h33m23s
